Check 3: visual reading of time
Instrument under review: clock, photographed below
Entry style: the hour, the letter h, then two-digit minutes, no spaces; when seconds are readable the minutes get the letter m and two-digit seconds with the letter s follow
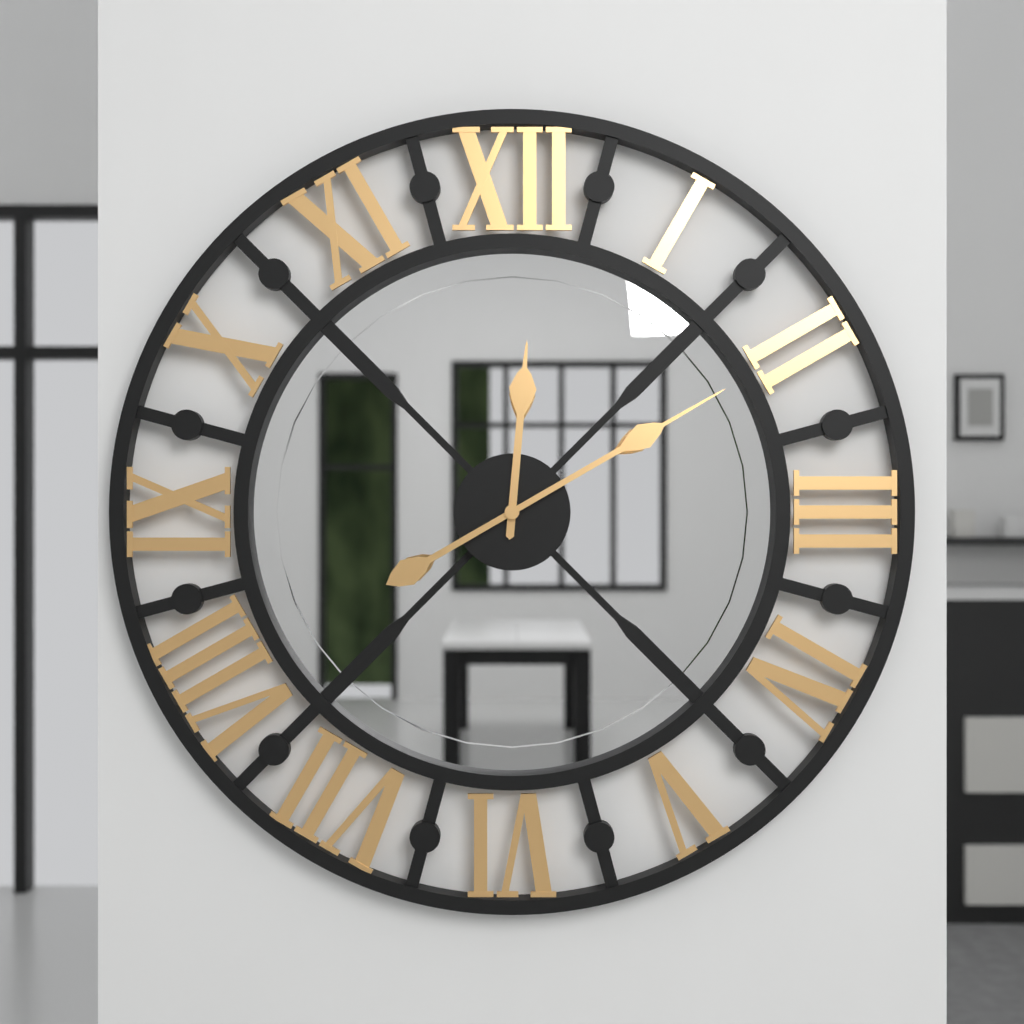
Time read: 12h10
